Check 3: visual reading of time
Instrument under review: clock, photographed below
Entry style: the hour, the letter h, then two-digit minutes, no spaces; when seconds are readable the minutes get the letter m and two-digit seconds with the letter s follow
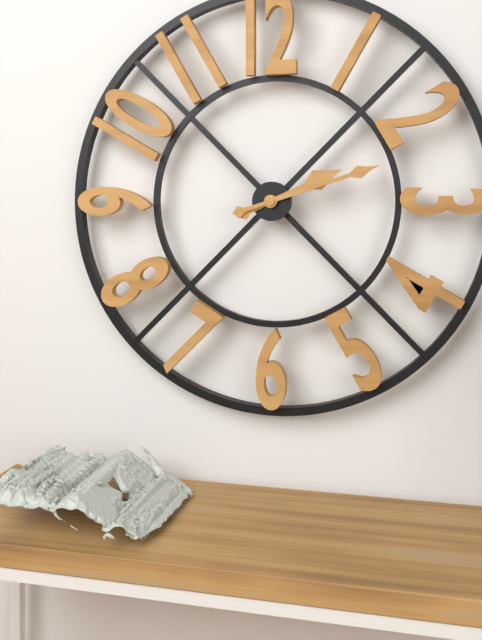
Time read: 2h12
